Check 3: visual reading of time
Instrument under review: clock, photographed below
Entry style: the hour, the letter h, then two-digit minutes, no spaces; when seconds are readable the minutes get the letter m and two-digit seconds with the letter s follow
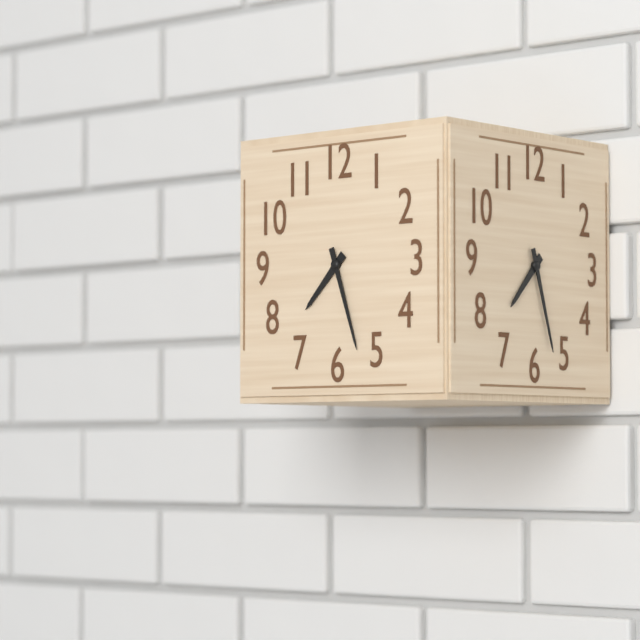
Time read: 7h27
